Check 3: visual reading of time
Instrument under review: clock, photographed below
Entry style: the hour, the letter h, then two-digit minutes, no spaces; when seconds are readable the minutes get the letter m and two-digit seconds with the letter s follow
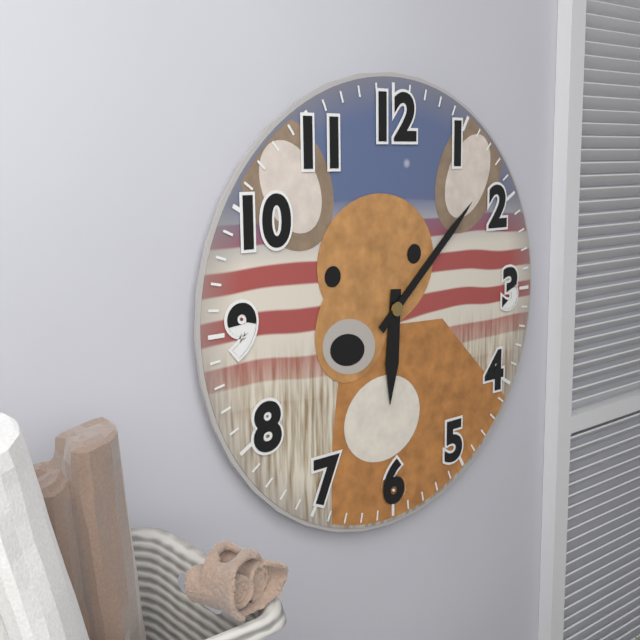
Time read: 6h08
